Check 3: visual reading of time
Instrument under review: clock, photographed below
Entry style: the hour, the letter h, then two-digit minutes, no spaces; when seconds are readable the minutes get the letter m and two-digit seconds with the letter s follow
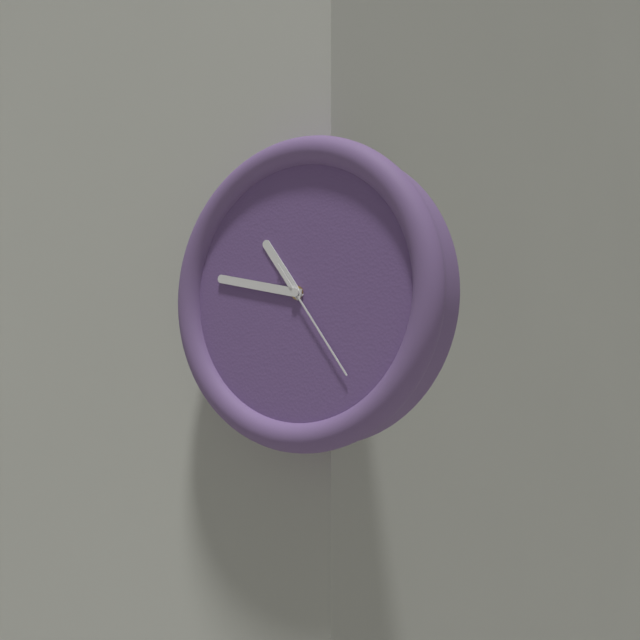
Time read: 10h47m24s
